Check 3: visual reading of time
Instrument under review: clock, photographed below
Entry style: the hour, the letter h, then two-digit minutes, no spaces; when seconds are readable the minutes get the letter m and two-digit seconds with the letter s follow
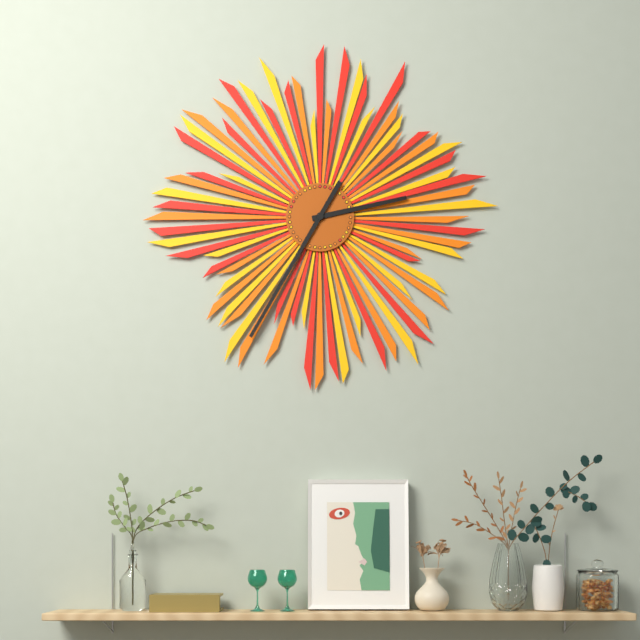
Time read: 2h35
